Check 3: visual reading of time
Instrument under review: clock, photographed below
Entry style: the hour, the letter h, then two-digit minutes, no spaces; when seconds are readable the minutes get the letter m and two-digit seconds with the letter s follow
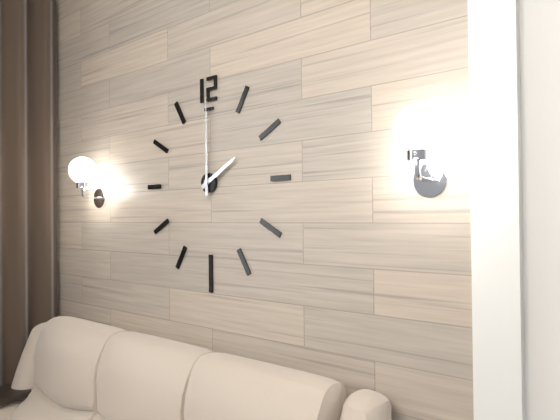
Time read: 2h00
